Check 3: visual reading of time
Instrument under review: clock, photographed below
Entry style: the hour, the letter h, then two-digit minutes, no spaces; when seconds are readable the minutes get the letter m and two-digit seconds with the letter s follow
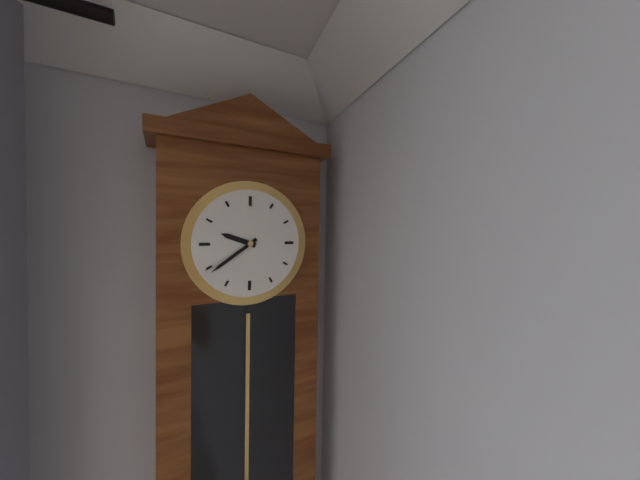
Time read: 9h39
